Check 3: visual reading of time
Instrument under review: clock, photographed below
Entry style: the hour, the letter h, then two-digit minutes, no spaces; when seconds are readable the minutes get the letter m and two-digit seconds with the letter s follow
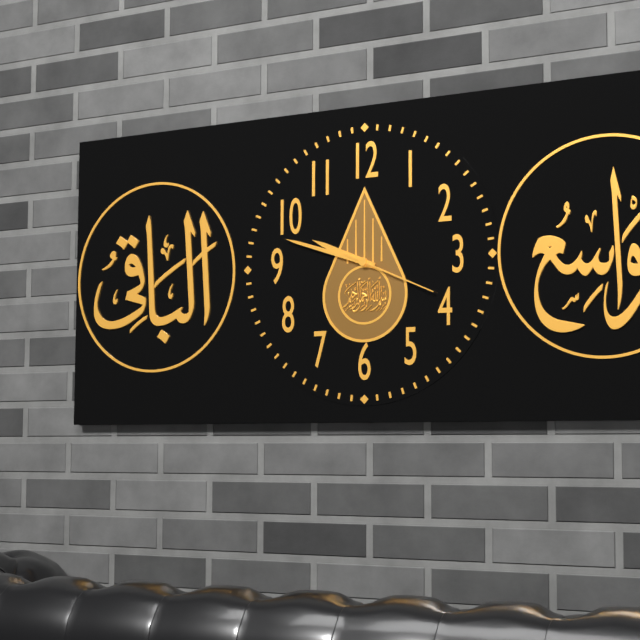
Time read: 9h48m19s
